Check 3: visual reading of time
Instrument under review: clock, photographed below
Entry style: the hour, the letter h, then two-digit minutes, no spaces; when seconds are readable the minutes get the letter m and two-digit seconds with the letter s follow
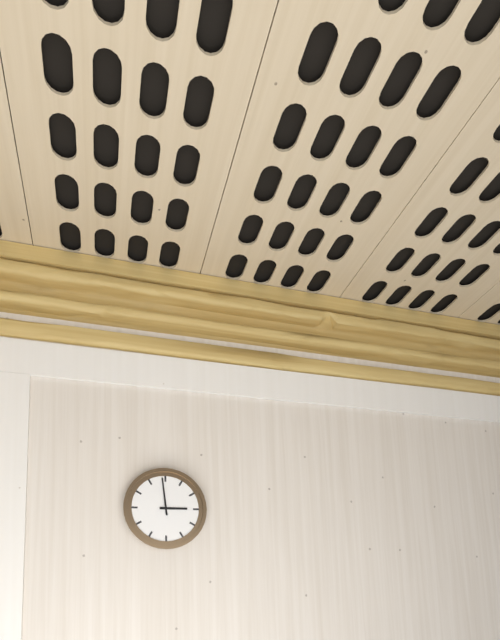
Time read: 2h59
